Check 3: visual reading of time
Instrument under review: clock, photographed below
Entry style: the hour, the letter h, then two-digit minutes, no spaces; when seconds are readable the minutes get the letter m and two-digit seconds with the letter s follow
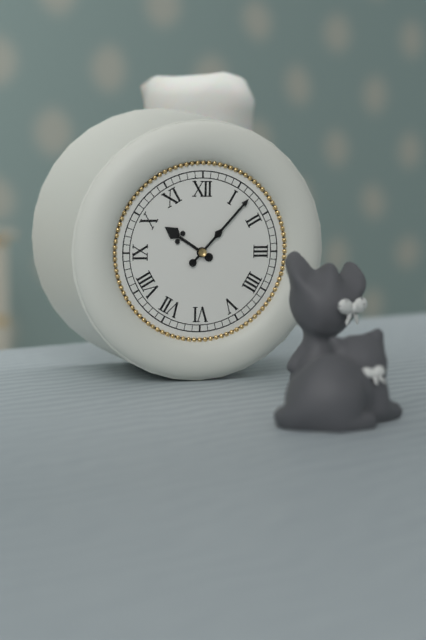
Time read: 10h07
